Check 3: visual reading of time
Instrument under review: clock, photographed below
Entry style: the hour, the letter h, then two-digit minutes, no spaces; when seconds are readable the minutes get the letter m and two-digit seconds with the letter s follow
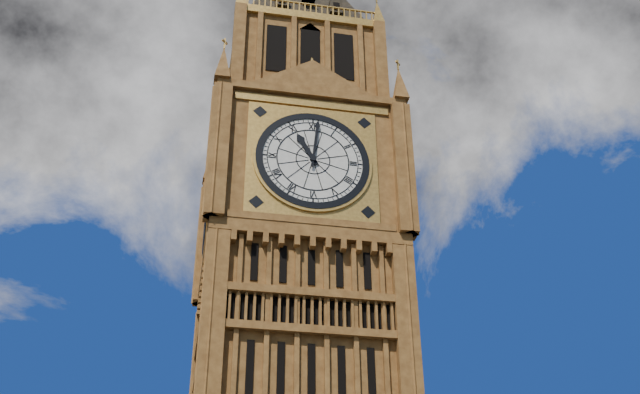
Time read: 11h01
